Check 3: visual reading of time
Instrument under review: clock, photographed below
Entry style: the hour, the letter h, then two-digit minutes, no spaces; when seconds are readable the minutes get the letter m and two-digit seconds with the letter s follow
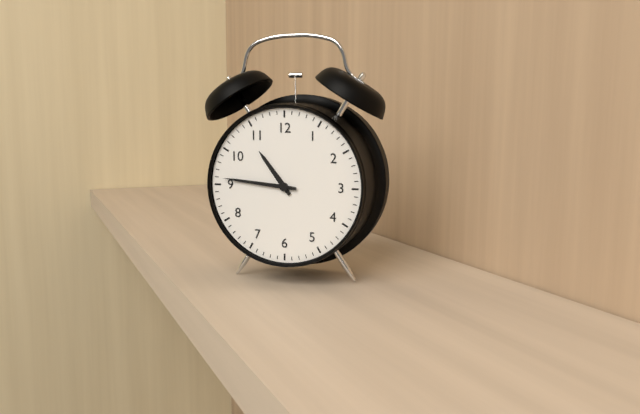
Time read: 10h46
